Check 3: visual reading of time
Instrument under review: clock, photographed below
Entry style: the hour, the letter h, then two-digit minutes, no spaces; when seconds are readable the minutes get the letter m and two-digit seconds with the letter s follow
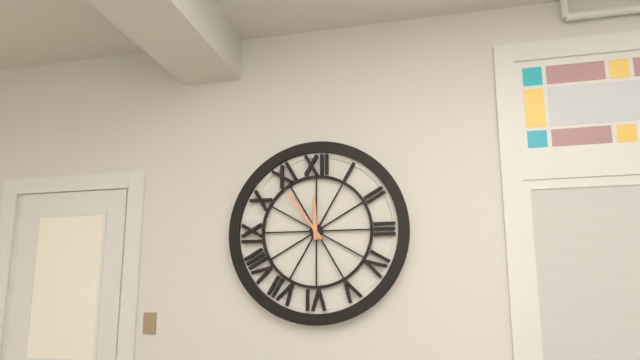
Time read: 11h54
